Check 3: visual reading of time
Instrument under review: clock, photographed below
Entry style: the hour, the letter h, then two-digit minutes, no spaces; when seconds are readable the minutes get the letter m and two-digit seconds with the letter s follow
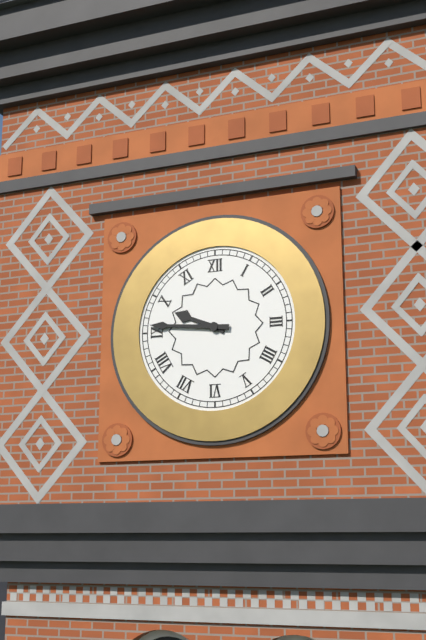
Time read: 9h46
